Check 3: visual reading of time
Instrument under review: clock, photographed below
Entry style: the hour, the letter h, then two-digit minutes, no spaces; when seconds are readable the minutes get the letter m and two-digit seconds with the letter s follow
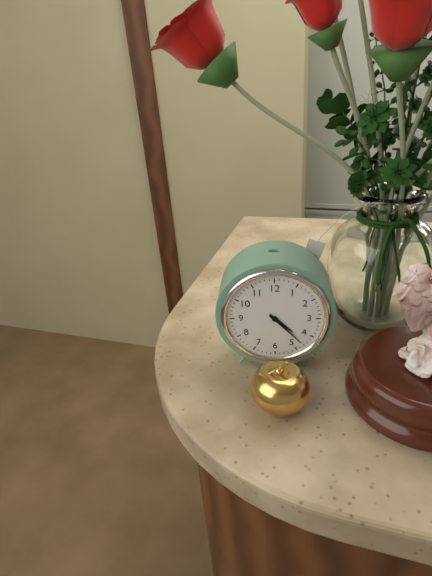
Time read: 4h23
